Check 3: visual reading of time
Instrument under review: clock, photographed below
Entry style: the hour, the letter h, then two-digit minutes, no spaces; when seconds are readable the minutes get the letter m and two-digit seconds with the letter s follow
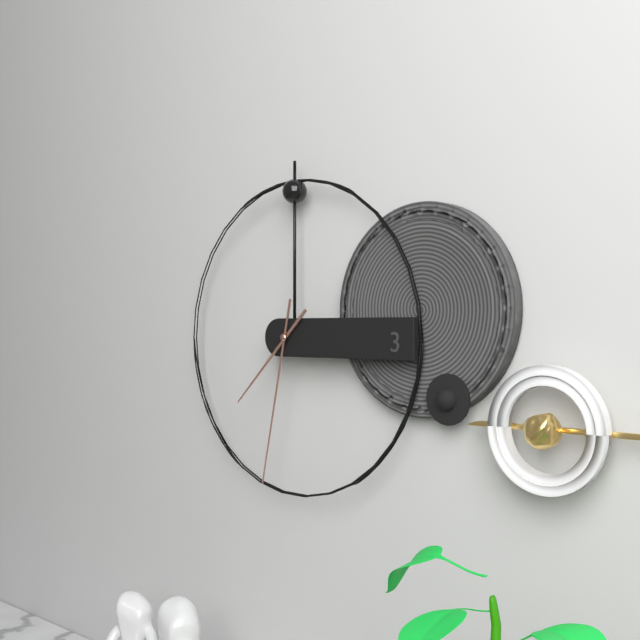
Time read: 7h32
